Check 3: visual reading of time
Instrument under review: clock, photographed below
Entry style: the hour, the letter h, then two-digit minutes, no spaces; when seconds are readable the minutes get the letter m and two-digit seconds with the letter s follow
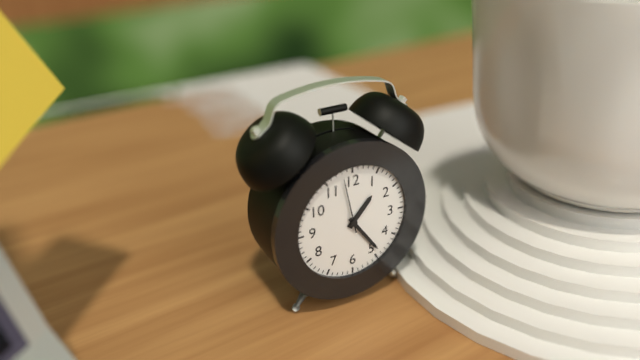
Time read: 1h24m58s
